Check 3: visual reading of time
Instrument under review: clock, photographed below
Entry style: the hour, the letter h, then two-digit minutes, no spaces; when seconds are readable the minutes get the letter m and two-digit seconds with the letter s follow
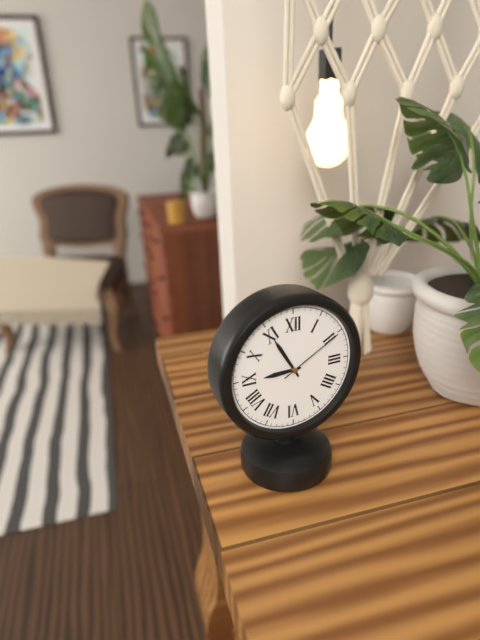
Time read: 8h55m10s
